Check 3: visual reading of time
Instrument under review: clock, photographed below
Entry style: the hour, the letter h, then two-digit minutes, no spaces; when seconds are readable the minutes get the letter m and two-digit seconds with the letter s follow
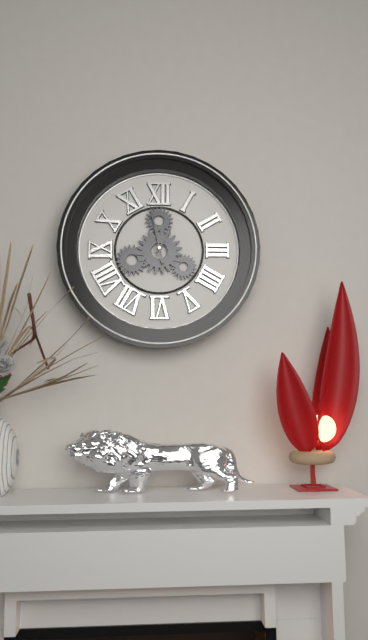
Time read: 12h58
